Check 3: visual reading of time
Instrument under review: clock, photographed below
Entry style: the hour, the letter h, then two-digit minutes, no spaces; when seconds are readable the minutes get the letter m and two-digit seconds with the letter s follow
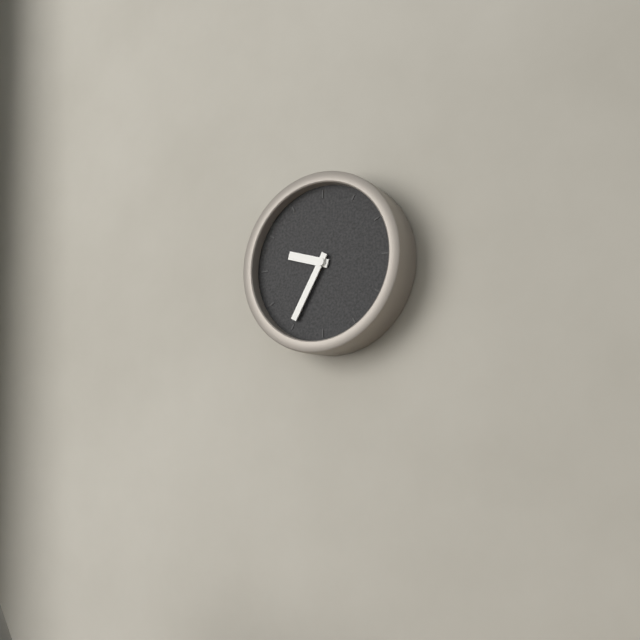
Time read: 9h35
